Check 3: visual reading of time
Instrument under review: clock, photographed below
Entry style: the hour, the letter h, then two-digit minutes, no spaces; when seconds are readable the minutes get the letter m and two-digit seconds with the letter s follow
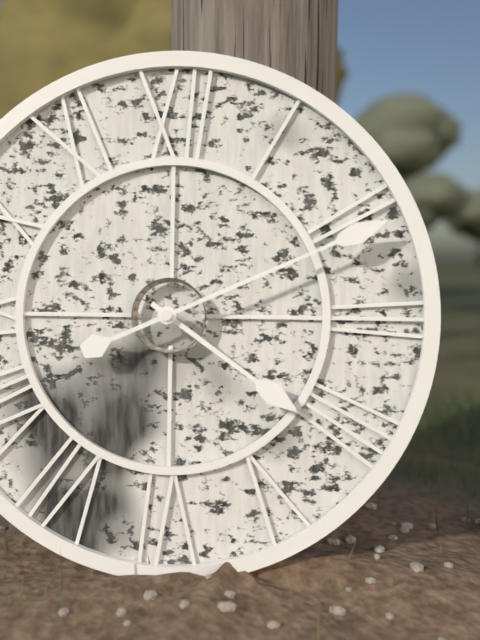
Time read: 4h11
